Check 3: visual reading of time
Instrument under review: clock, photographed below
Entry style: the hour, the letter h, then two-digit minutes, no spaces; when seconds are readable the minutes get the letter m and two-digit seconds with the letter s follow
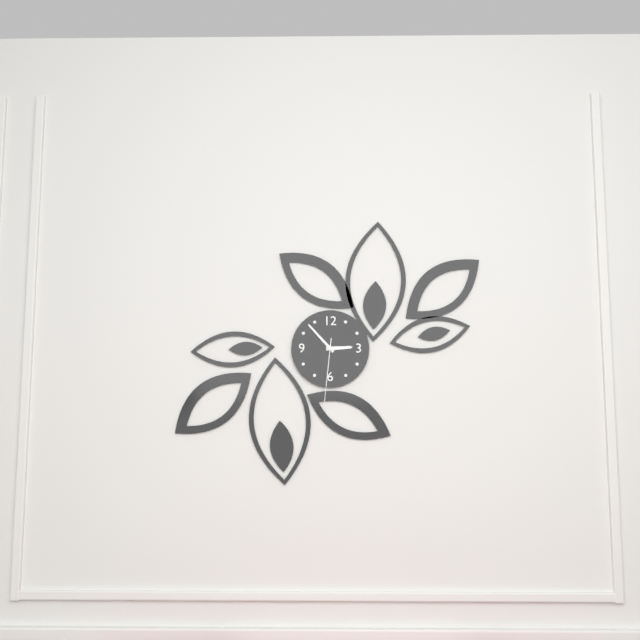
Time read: 2h53m31s
